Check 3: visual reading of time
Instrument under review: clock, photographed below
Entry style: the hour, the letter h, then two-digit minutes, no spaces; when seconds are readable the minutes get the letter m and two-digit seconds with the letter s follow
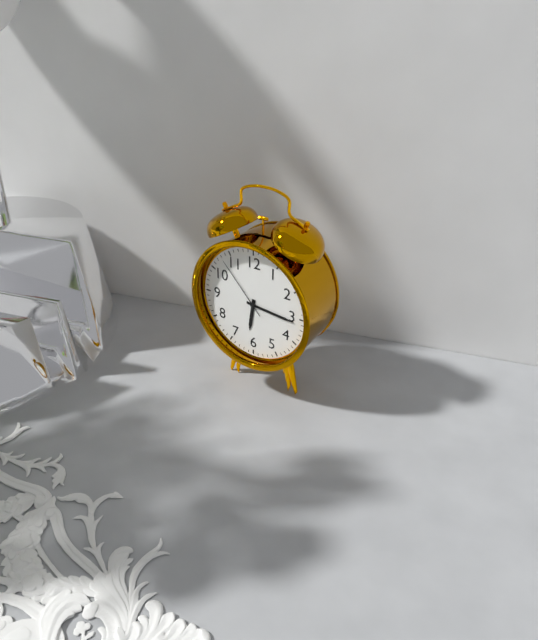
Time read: 6h16m53s
